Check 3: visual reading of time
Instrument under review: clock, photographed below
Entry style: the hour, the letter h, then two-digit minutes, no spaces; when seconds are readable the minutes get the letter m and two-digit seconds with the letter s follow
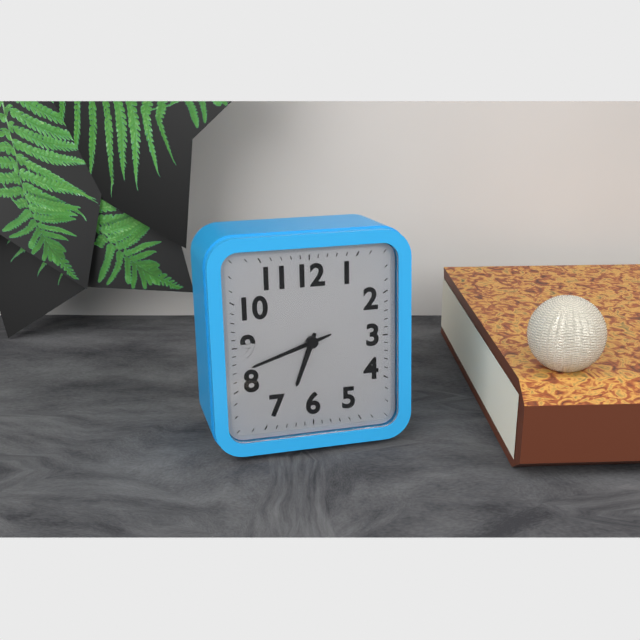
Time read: 6h42
